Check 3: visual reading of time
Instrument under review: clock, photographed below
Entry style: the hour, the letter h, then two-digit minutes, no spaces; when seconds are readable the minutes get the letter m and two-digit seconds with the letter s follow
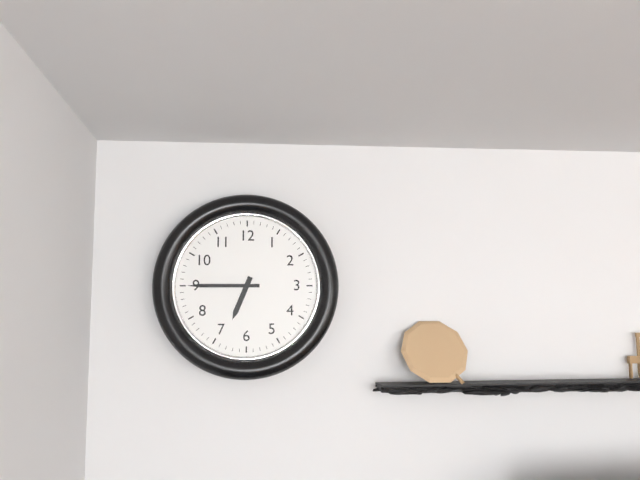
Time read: 6h45
